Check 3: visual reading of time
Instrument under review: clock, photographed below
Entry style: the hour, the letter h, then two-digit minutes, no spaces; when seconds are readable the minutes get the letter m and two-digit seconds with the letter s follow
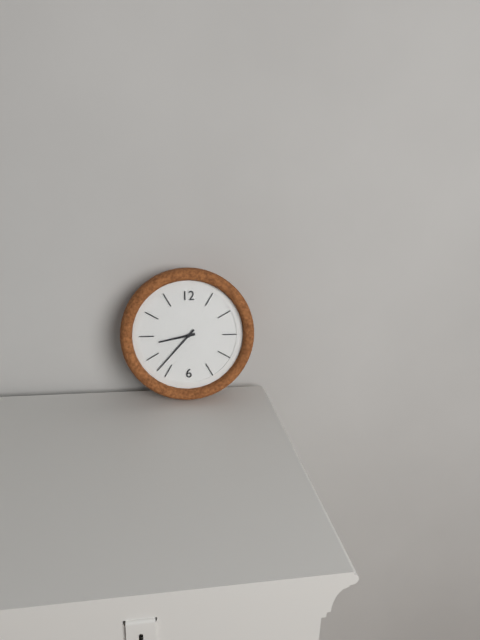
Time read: 8h37
